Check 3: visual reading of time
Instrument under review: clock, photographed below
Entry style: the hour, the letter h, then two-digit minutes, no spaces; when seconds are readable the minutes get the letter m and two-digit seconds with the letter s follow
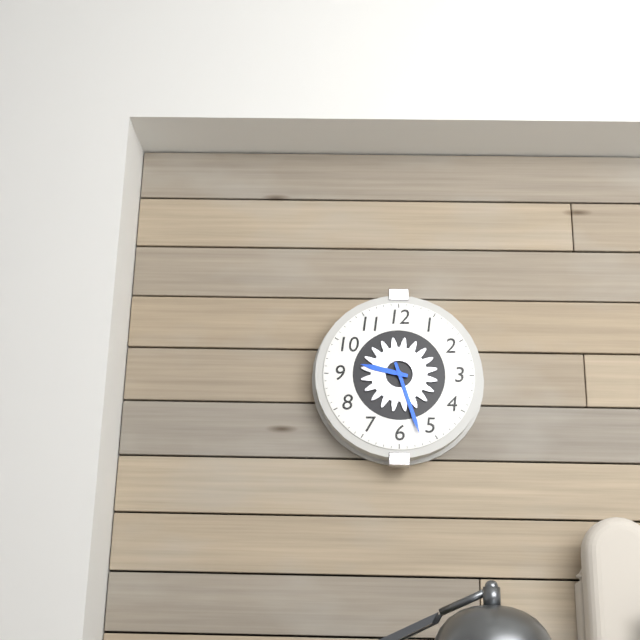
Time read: 9h27
